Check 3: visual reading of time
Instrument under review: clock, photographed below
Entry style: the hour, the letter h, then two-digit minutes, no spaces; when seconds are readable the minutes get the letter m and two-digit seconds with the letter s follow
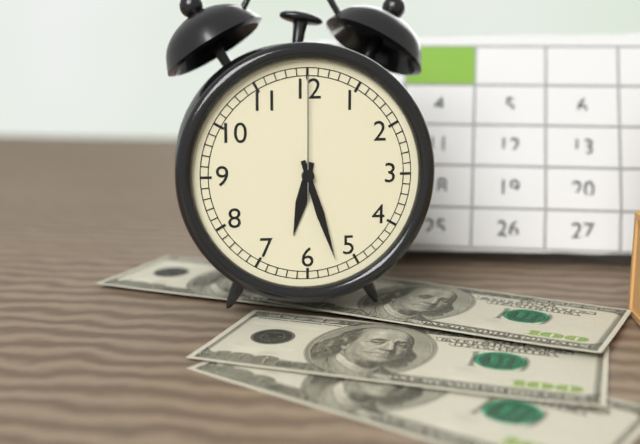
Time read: 6h27m00s
